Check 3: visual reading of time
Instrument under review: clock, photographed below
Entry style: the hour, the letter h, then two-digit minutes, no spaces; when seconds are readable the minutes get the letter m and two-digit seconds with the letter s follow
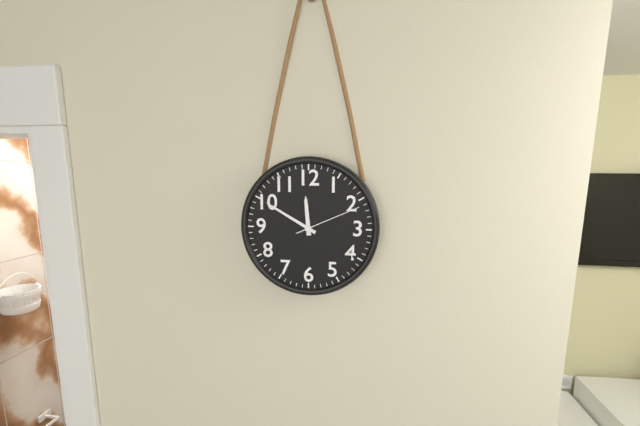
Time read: 11h50m11s
